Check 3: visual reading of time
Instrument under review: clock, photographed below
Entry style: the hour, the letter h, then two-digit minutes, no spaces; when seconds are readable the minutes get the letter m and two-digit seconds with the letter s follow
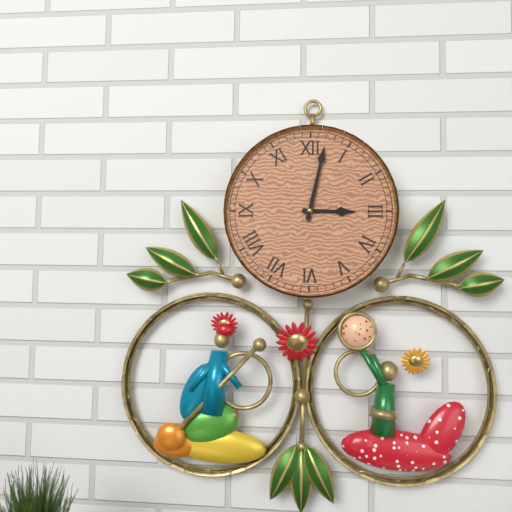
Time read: 3h02
